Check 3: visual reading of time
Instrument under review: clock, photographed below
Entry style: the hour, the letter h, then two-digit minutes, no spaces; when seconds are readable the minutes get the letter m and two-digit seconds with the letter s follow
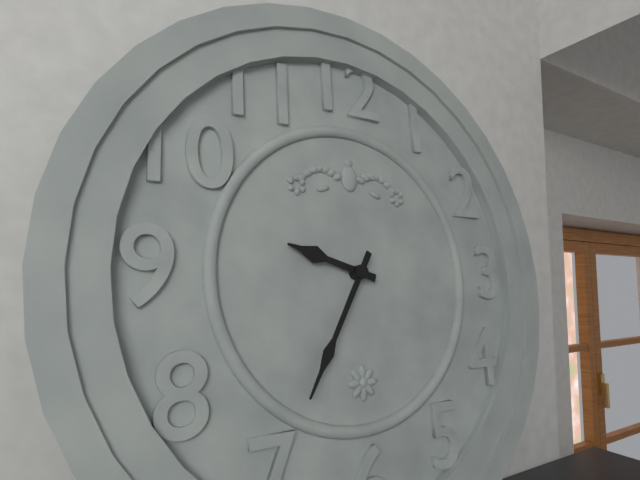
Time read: 9h35
